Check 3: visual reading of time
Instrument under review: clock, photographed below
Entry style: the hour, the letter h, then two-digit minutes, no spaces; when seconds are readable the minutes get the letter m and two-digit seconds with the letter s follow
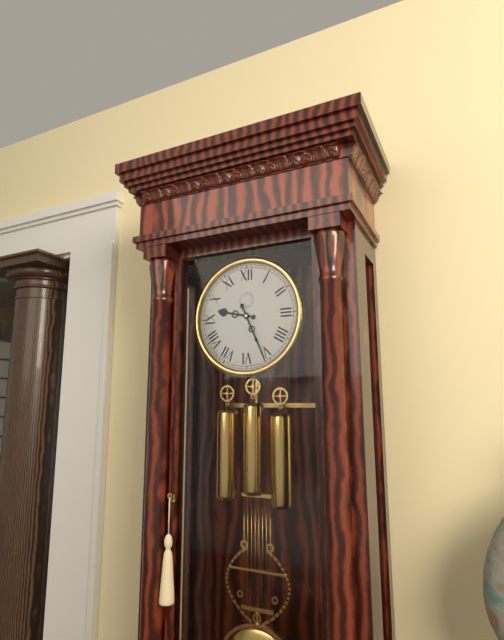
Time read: 9h26
